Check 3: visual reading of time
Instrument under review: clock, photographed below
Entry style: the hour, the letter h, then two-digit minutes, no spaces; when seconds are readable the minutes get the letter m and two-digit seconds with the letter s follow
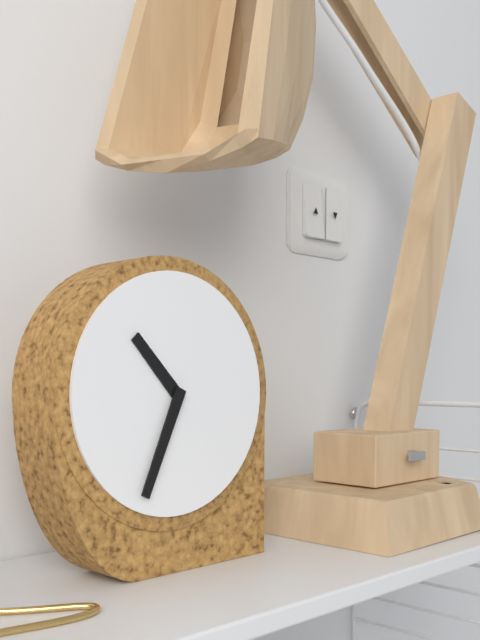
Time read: 10h34
